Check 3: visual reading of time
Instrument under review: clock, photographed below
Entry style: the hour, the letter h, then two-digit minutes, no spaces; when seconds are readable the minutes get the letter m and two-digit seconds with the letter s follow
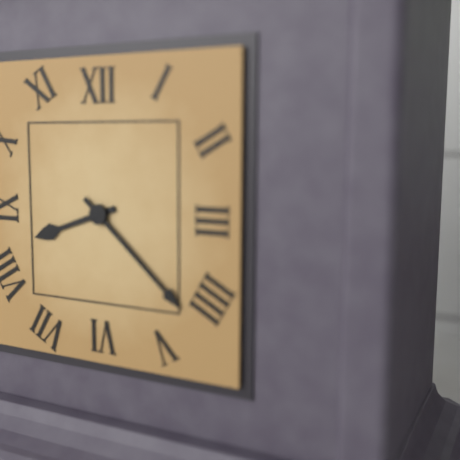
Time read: 8h22
